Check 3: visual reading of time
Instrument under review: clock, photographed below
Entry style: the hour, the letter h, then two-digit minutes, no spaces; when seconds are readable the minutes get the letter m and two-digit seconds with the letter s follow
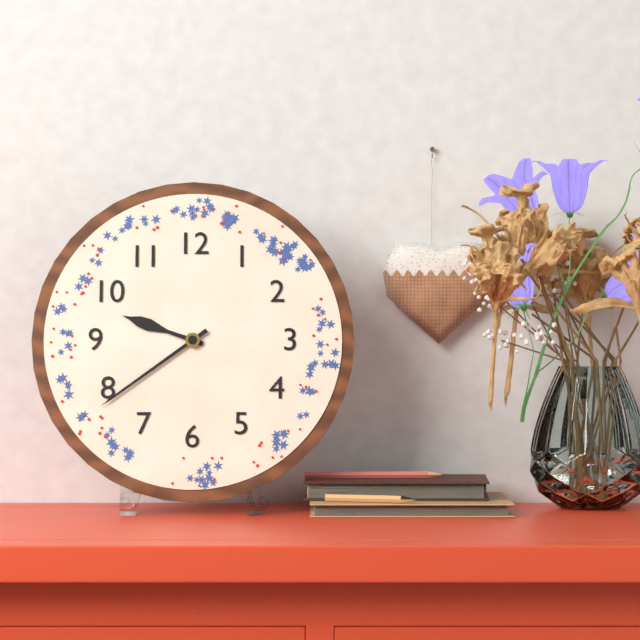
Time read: 9h39
